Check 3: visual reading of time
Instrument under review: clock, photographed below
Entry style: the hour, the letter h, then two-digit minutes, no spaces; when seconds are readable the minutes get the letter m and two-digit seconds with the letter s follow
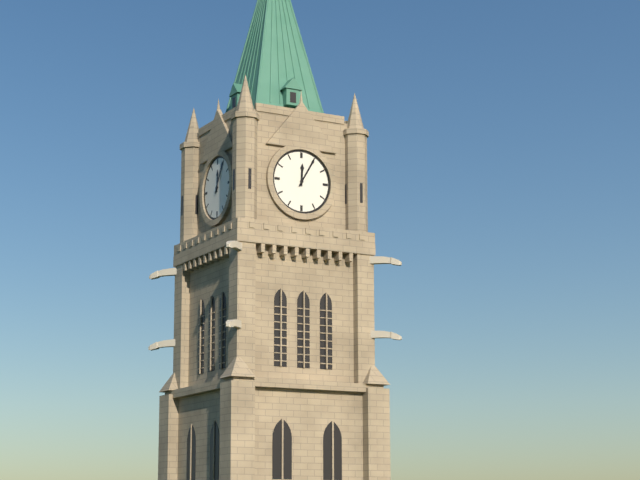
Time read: 12h05
